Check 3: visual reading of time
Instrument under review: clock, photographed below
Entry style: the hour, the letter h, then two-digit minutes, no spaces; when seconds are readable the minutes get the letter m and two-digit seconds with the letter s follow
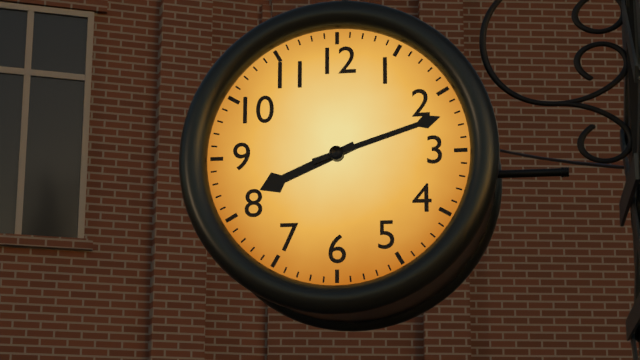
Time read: 8h12
